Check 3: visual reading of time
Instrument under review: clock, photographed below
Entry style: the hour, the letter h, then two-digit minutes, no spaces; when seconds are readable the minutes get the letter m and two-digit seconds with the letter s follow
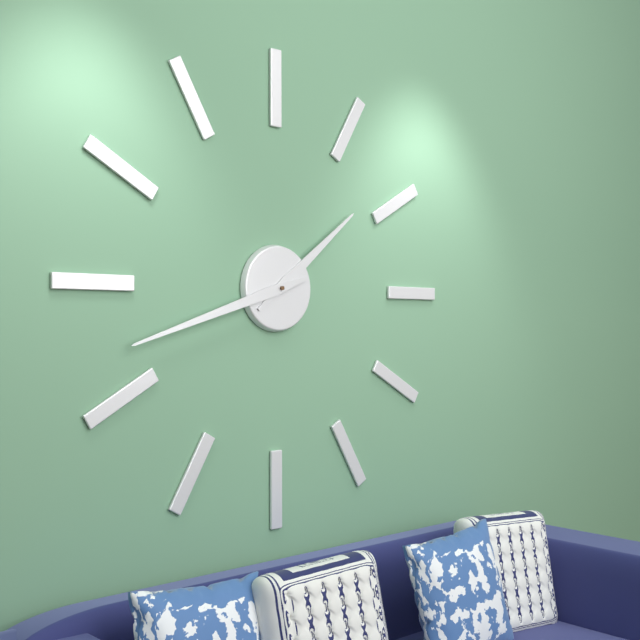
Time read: 1h42
